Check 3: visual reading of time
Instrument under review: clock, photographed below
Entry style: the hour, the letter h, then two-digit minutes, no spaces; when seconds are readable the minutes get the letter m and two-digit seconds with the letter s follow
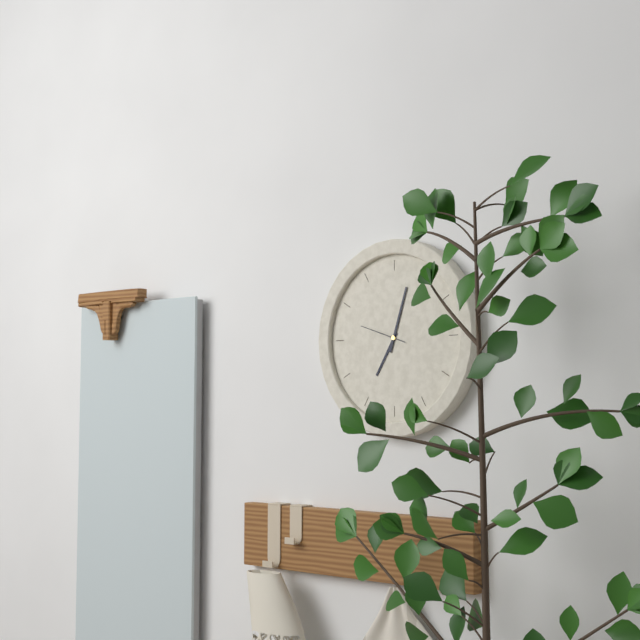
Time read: 7h03
